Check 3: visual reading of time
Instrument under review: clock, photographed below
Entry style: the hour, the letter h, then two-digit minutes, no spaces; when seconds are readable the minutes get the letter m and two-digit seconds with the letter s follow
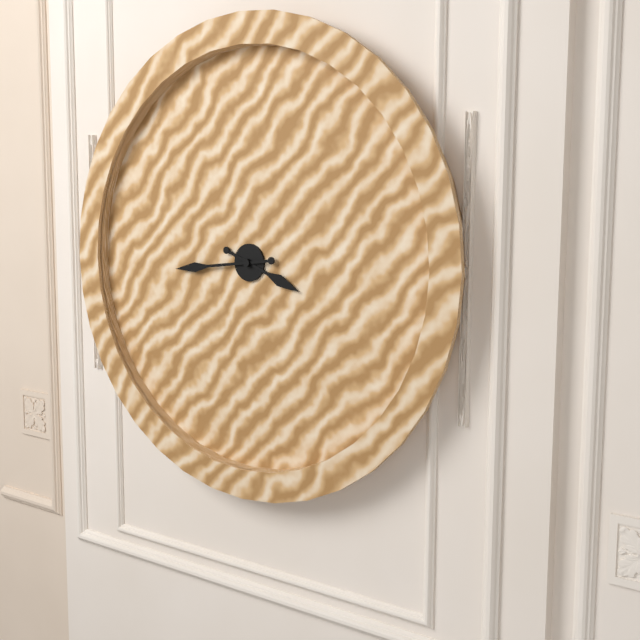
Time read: 3h44
